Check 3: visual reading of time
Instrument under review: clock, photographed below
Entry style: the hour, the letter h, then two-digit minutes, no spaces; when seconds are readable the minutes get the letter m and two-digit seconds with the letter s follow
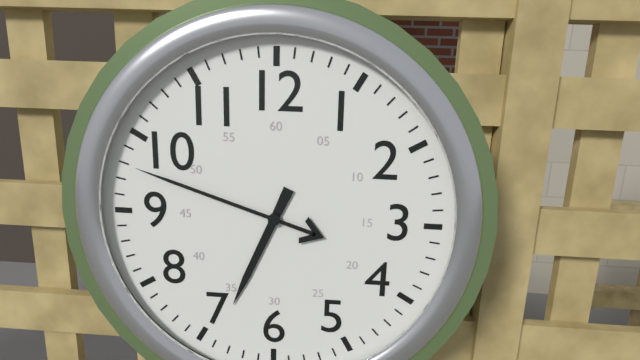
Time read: 6h48
